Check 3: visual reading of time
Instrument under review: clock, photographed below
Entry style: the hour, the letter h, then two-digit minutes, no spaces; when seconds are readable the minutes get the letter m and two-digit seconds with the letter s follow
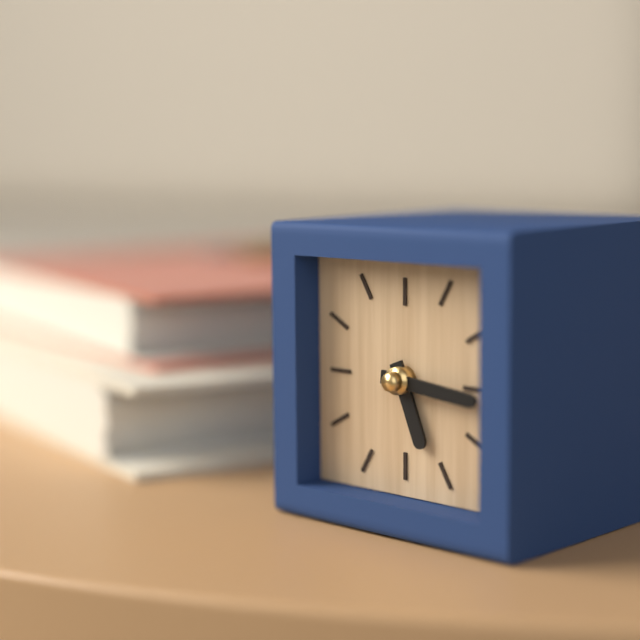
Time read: 5h16
